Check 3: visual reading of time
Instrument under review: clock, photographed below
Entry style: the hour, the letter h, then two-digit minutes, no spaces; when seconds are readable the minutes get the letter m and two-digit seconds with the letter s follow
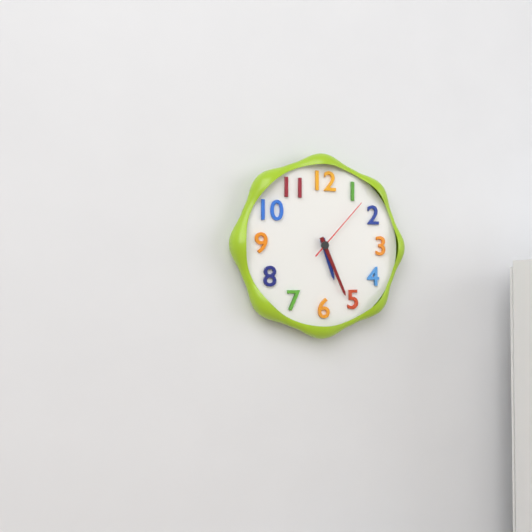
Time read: 5h26m07s
